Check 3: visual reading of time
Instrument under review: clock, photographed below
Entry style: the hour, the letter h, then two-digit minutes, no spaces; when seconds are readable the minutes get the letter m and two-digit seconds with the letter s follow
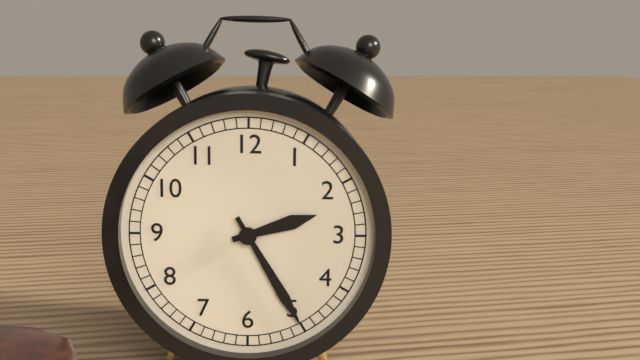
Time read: 2h25
